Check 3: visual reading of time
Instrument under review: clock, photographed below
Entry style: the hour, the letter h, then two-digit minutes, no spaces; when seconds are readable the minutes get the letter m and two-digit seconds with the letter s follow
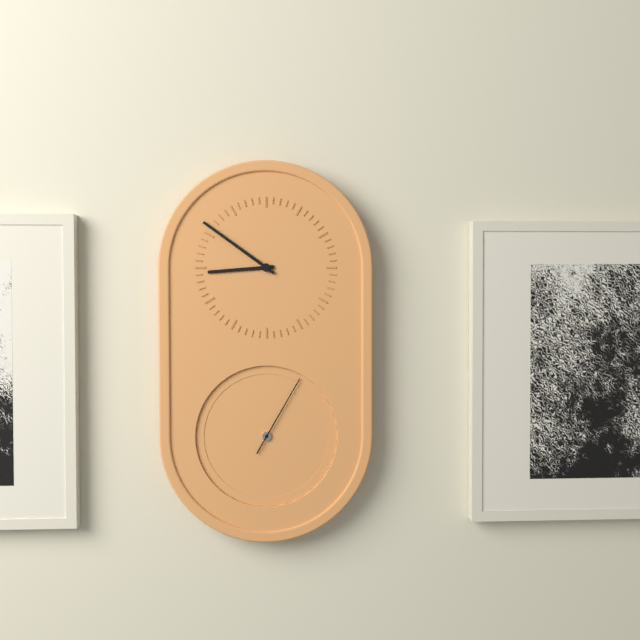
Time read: 8h51m05s
